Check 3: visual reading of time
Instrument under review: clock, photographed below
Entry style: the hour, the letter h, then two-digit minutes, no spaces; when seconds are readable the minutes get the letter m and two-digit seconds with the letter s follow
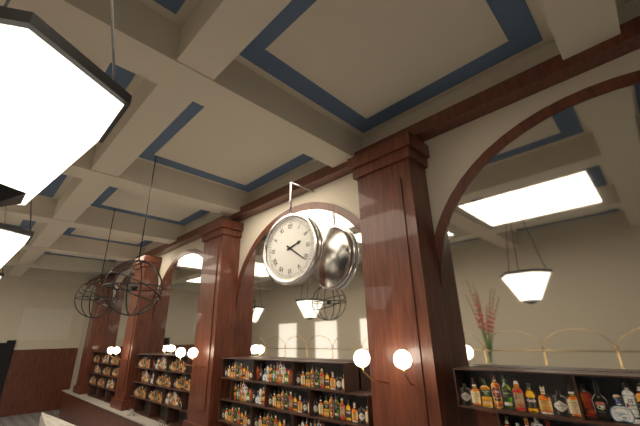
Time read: 2h21
